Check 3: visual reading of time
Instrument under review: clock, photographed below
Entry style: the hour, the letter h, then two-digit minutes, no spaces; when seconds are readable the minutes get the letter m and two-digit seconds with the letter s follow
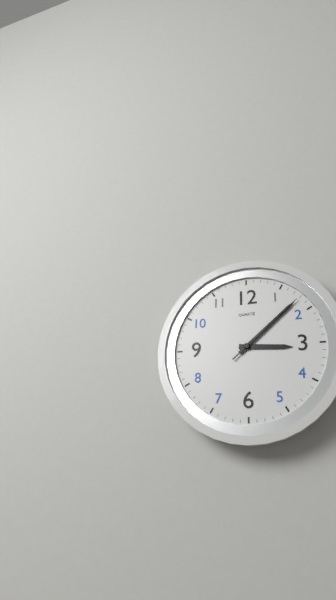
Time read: 3h08m08s
